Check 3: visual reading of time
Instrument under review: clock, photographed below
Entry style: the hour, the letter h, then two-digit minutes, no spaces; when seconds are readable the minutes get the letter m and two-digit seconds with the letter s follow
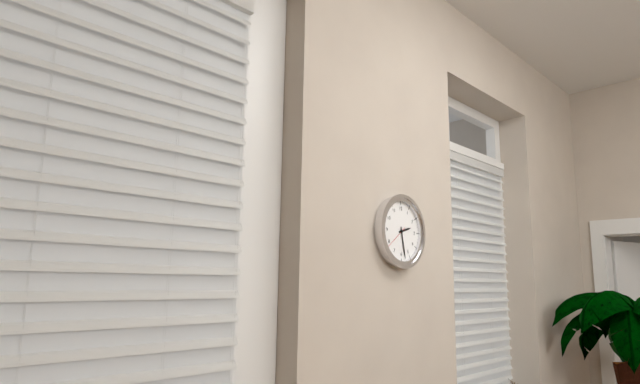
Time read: 2h28
